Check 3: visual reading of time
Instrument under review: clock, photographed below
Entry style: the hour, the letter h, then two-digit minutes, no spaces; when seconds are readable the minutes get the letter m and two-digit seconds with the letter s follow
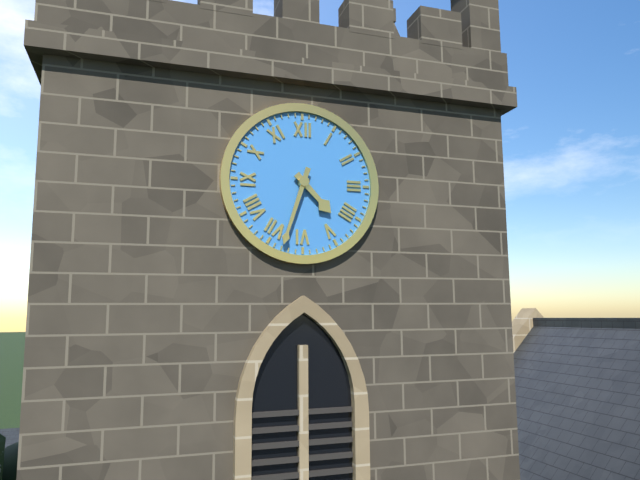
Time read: 4h33
